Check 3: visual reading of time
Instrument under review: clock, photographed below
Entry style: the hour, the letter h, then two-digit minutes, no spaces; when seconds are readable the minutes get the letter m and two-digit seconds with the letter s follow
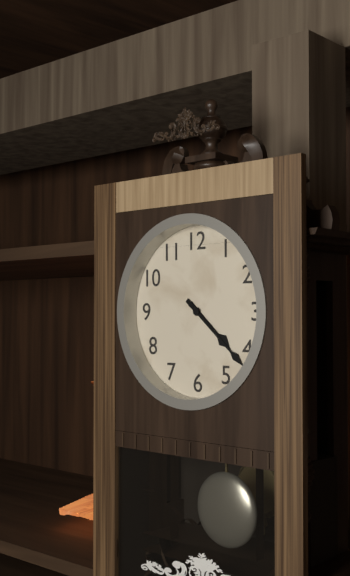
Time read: 4h22
